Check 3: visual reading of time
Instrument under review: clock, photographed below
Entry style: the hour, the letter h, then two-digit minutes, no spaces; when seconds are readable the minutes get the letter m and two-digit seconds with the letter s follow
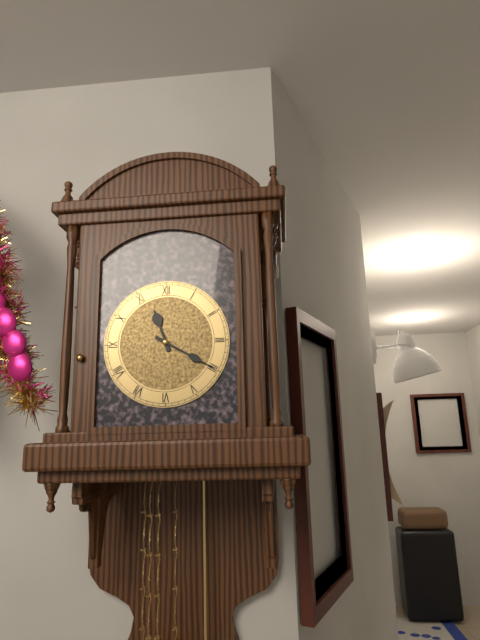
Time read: 11h20
